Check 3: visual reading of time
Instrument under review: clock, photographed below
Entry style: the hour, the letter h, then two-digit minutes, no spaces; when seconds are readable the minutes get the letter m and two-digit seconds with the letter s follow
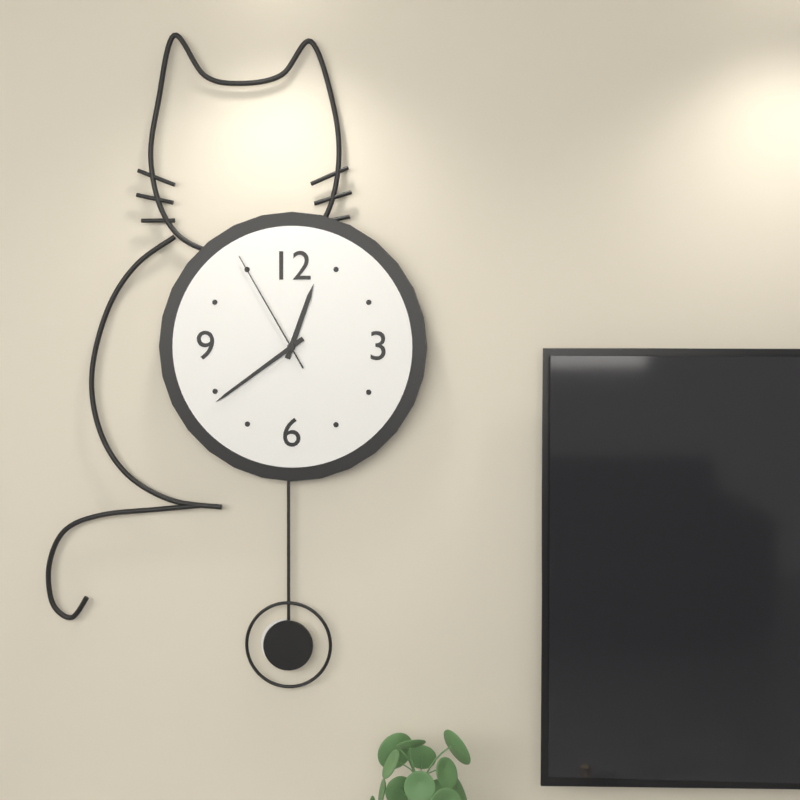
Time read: 12h39m55s
